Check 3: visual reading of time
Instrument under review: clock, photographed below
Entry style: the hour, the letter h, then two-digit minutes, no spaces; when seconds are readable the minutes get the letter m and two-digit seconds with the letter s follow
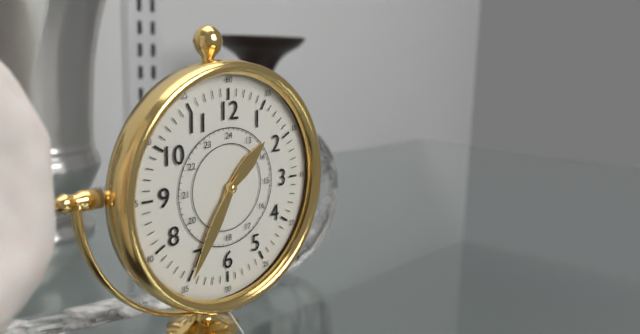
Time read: 1h35
